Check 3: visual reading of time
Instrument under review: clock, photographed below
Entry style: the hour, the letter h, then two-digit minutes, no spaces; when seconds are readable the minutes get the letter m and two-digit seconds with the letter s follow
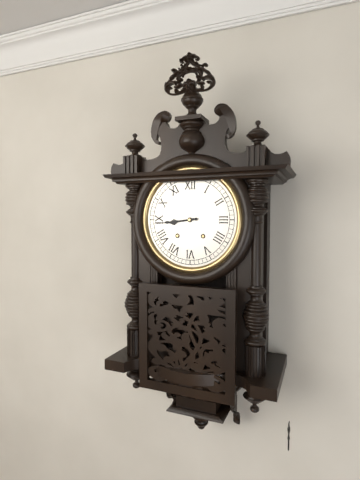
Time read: 8h44
